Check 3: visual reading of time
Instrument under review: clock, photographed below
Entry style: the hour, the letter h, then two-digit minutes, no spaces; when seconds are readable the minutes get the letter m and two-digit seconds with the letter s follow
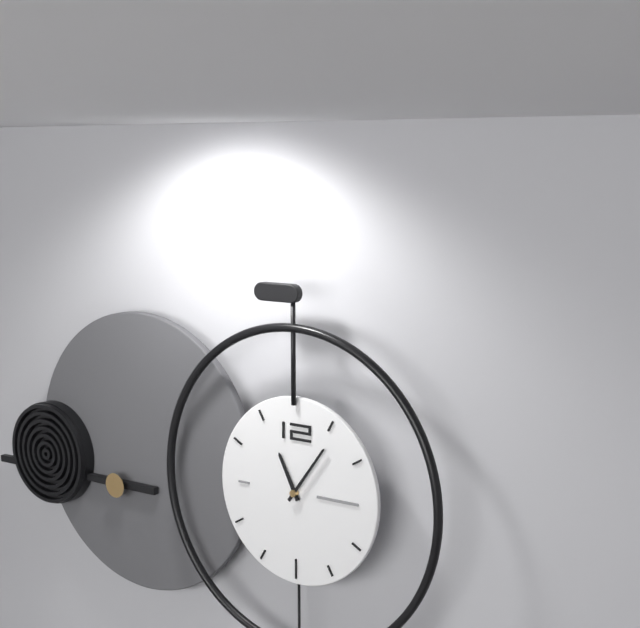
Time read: 11h06
